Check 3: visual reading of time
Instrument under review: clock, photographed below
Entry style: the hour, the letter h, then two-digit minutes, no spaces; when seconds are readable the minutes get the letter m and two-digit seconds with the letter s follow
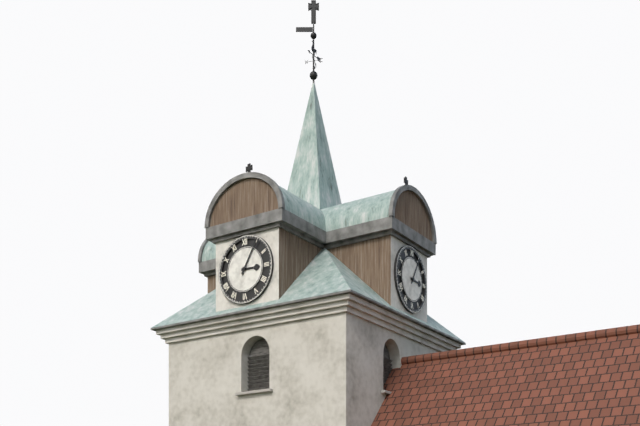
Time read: 3h05
